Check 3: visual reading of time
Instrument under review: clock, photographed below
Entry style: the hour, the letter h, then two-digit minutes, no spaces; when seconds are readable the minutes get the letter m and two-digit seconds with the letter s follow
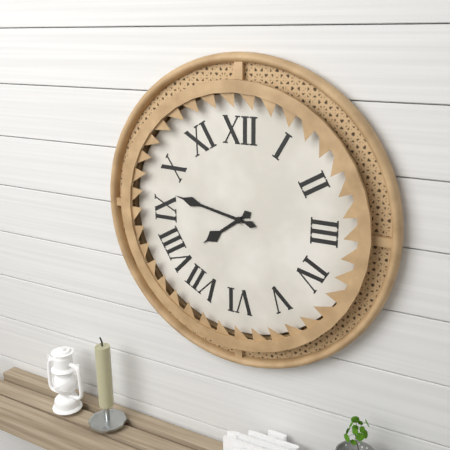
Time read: 7h47
